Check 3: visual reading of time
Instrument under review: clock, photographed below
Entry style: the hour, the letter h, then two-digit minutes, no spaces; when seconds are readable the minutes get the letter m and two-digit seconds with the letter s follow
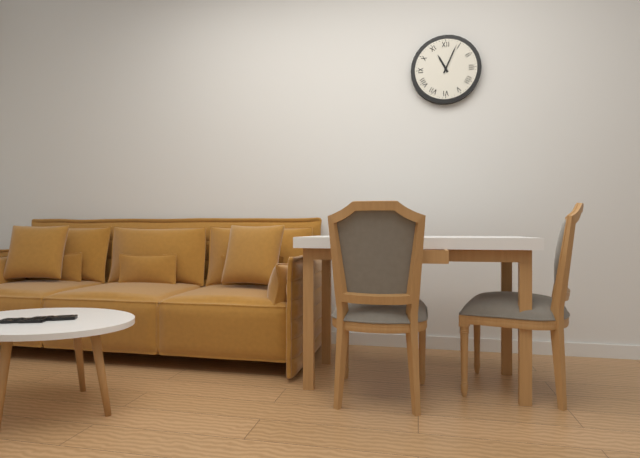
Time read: 11h04
